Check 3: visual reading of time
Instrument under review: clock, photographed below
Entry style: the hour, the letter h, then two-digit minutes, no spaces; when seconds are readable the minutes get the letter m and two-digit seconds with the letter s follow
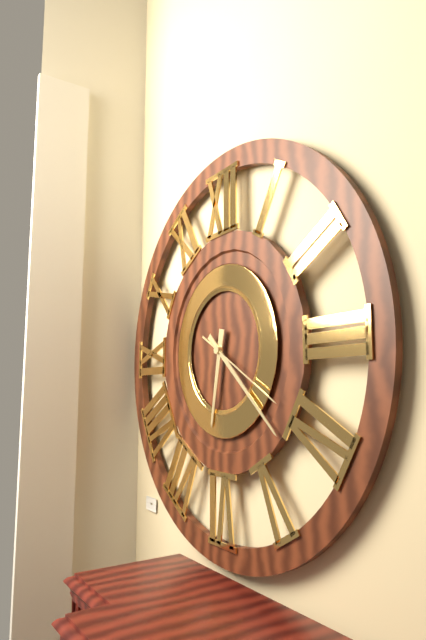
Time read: 6h22m20s
